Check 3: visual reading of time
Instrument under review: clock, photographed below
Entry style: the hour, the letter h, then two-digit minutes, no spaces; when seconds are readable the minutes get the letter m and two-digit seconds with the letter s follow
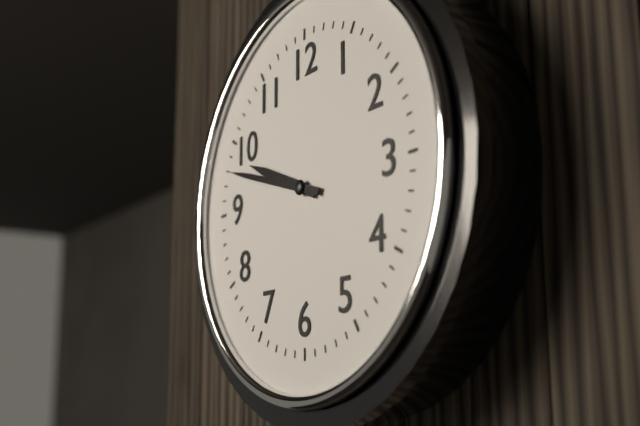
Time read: 9h48
